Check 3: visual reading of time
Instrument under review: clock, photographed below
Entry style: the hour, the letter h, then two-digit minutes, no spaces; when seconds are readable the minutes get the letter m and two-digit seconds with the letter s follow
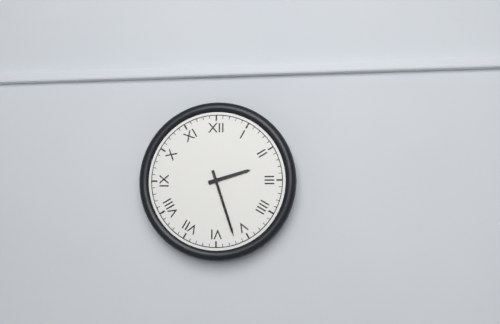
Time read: 2h27
